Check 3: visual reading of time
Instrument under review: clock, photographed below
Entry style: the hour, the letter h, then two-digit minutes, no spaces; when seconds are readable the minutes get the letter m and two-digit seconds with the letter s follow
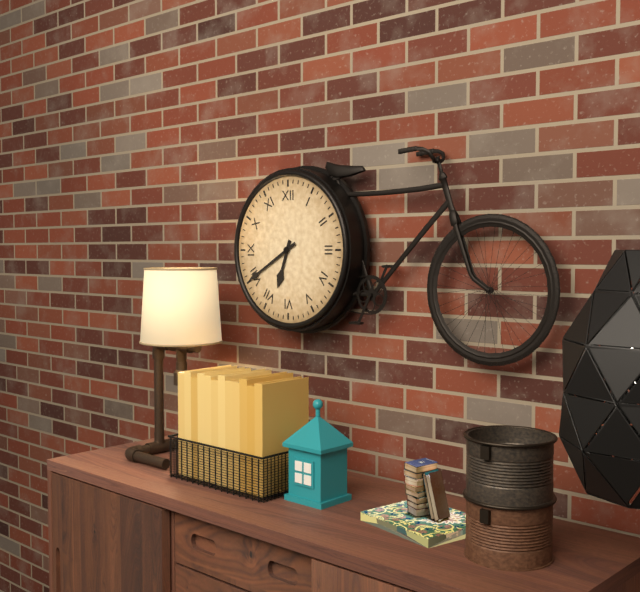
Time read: 6h40
